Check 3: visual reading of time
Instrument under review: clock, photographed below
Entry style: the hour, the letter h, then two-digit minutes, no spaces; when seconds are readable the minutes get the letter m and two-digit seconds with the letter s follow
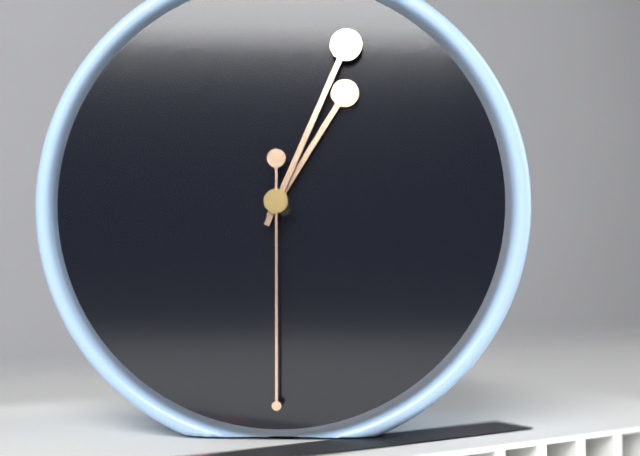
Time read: 1h04m30s
